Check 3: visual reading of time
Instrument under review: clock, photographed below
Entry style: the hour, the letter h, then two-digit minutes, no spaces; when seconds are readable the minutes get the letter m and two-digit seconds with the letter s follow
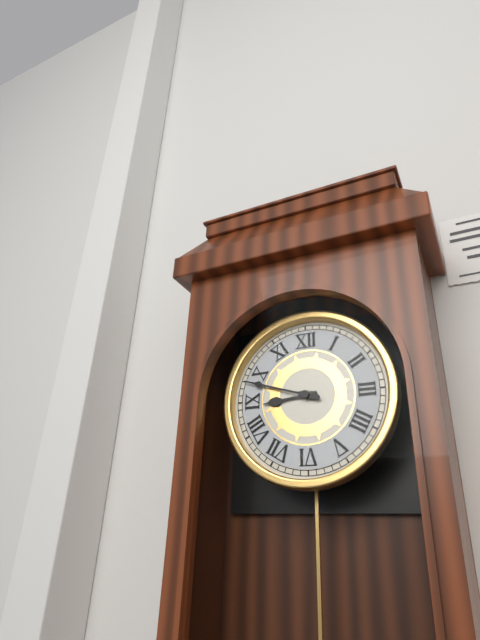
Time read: 8h48
